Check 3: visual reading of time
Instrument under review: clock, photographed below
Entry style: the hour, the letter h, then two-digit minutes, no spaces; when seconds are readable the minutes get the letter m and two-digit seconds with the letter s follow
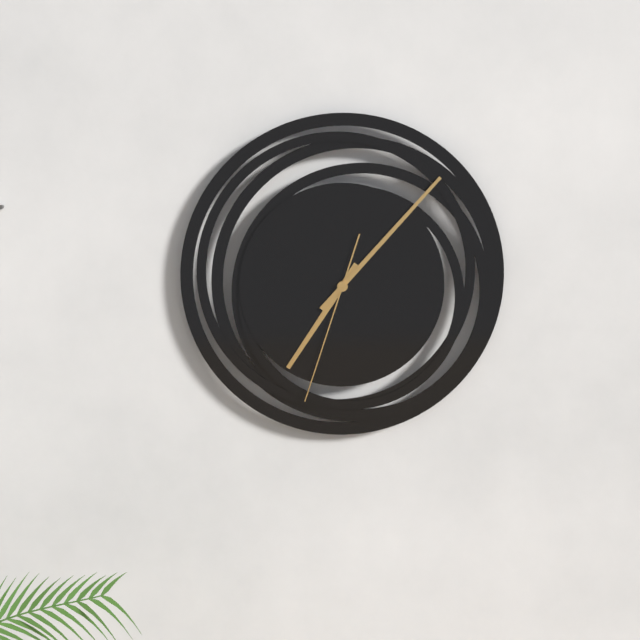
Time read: 7h07m33s
